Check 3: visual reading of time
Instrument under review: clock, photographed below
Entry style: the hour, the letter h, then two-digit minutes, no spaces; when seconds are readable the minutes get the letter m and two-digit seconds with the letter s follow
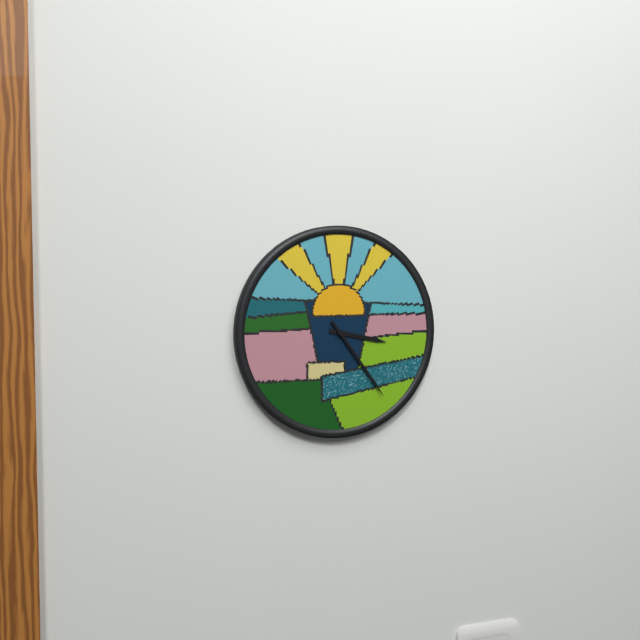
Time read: 3h24
